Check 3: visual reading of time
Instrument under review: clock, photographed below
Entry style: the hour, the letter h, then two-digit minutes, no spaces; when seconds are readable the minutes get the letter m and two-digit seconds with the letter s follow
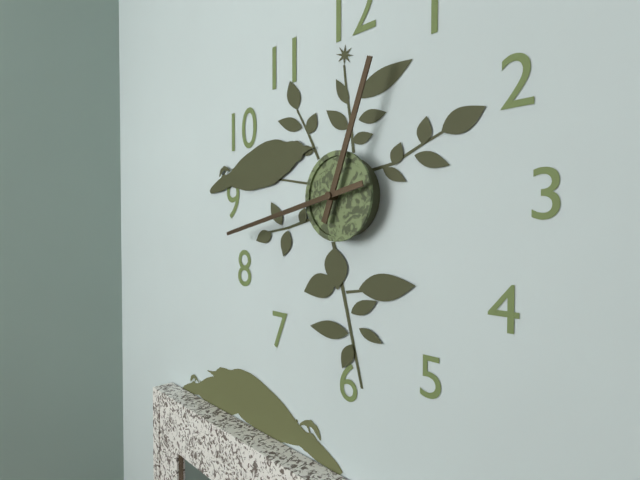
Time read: 12h43
